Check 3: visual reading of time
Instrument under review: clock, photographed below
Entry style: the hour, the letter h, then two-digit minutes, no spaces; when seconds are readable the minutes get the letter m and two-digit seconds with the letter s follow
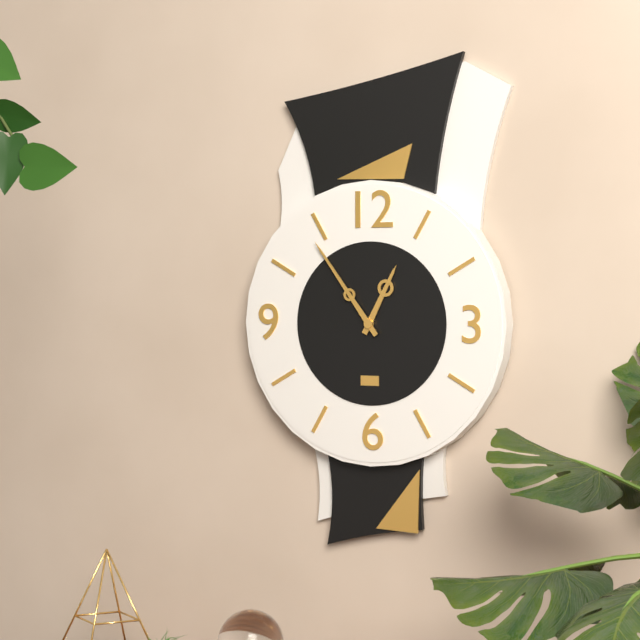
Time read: 12h54
